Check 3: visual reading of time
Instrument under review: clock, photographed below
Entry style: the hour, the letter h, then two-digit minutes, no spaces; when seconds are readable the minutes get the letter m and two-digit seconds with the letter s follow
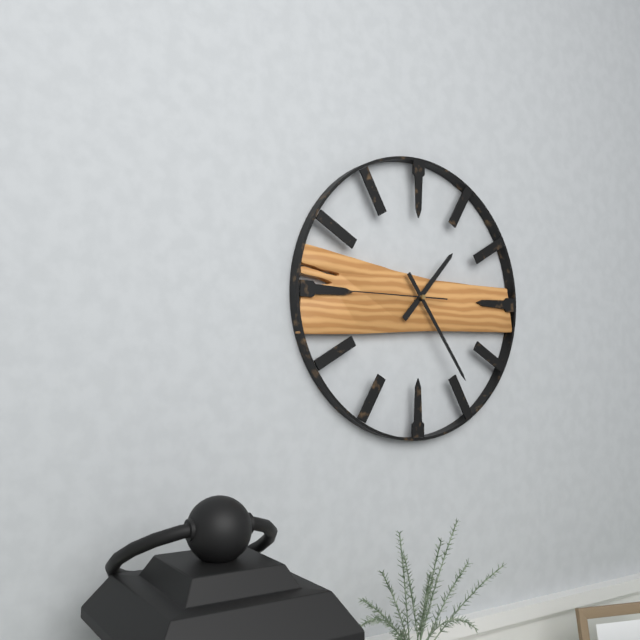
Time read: 1h24m45s
